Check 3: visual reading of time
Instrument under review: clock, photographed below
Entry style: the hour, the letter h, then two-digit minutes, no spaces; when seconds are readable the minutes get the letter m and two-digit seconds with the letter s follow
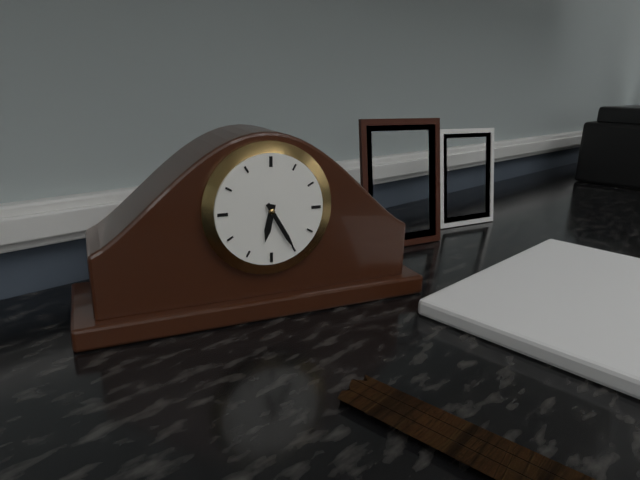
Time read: 6h25
